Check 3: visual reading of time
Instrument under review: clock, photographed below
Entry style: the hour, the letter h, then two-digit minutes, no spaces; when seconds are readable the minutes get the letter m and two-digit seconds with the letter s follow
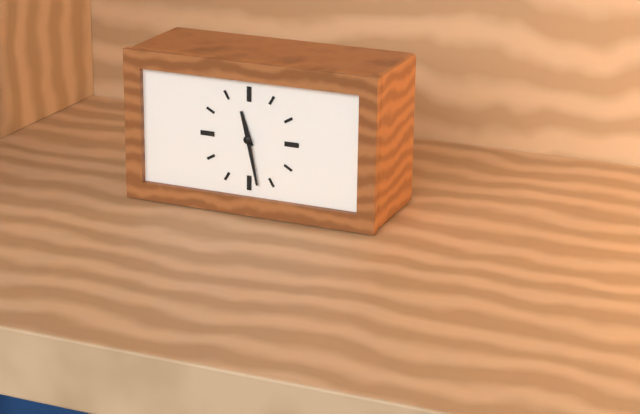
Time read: 11h28
